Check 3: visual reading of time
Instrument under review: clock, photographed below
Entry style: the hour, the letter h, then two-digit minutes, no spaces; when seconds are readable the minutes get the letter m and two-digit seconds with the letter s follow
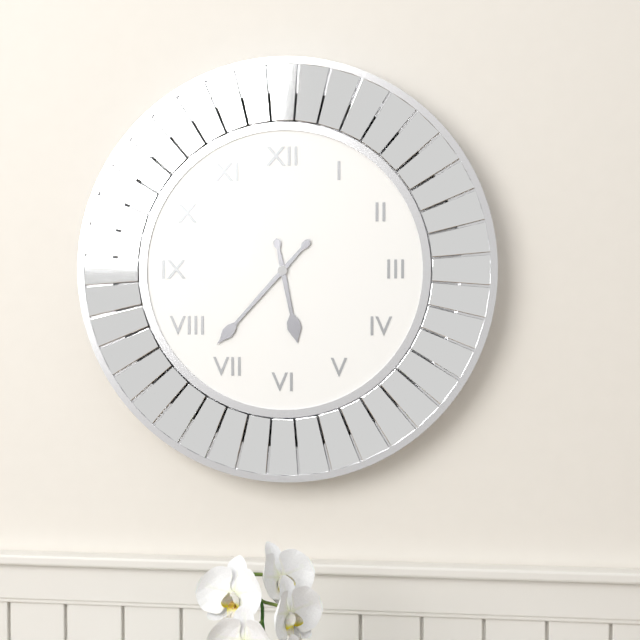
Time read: 5h37
